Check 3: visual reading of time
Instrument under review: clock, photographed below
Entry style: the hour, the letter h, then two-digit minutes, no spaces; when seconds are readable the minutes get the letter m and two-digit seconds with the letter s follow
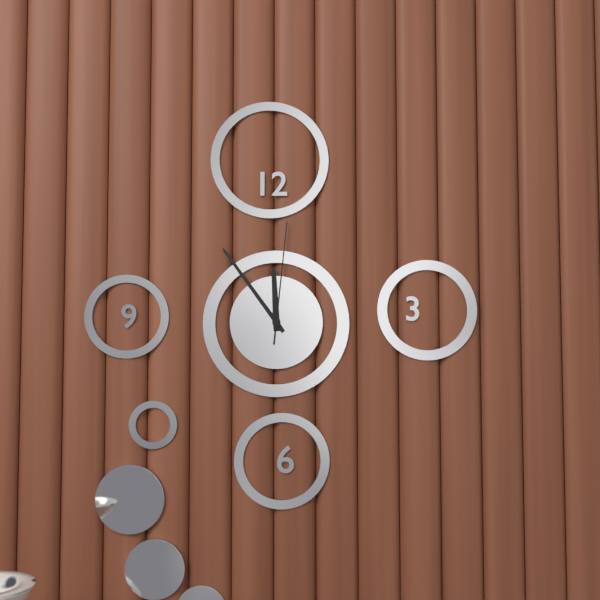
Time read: 11h54m01s
